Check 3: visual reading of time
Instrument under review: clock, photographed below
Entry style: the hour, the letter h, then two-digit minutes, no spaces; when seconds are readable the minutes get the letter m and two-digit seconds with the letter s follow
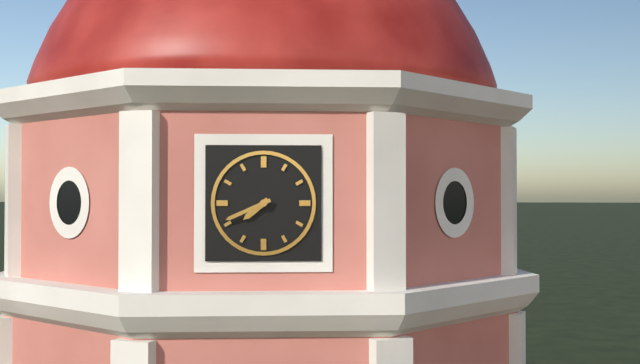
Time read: 7h41
